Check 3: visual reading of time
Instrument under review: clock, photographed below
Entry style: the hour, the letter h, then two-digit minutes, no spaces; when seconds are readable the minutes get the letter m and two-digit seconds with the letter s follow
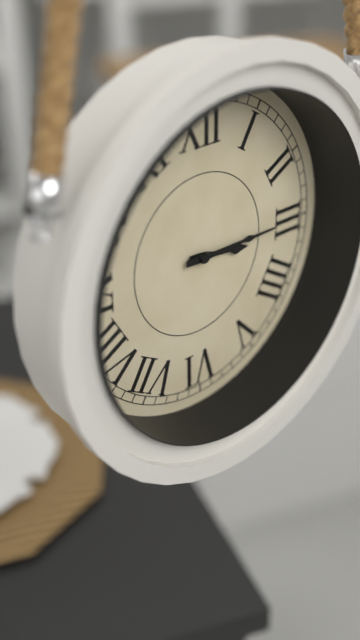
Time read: 3h15
